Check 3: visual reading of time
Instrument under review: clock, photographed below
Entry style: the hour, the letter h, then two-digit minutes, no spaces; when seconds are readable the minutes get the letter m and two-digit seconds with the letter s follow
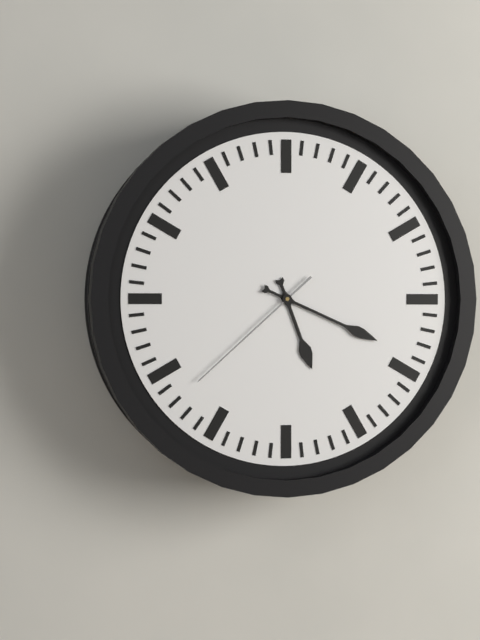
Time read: 5h19m38s
